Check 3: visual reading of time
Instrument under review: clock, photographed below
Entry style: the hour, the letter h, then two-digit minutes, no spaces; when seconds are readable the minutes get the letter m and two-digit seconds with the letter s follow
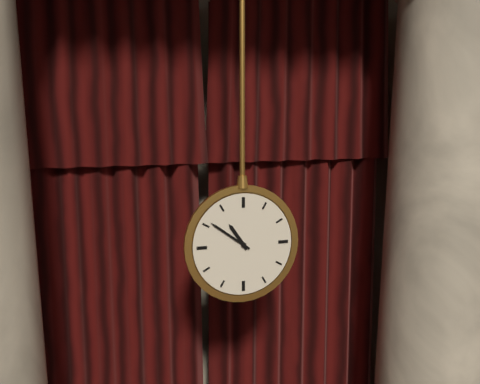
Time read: 10h51
